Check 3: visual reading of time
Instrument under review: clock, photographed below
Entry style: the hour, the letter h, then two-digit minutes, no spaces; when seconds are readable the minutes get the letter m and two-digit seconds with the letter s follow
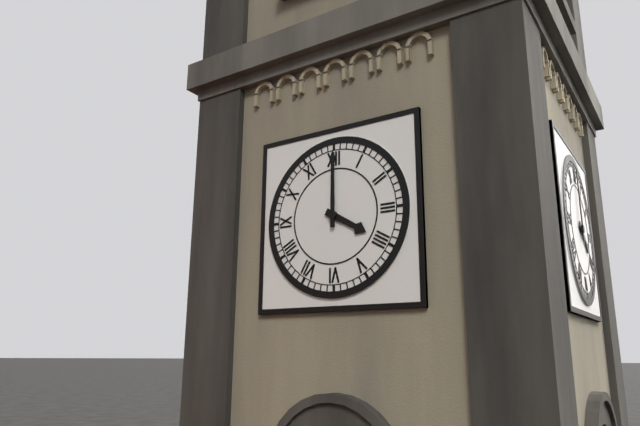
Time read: 4h00
